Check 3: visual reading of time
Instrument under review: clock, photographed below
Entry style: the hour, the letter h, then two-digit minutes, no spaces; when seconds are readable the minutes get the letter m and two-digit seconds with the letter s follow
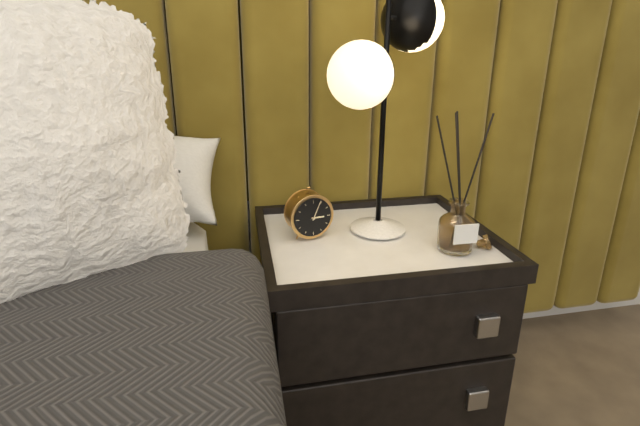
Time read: 3h04
